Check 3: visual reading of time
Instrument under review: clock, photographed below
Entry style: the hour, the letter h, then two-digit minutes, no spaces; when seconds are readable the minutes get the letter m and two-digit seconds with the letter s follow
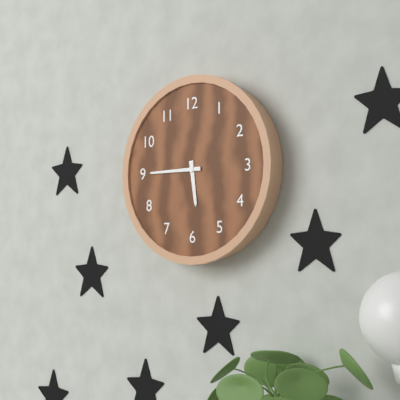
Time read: 5h45
